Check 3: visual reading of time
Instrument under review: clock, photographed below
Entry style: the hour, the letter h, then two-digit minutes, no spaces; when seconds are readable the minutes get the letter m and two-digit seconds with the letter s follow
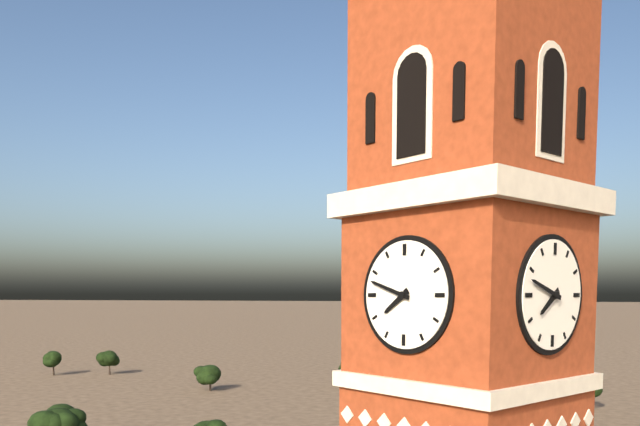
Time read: 7h48
